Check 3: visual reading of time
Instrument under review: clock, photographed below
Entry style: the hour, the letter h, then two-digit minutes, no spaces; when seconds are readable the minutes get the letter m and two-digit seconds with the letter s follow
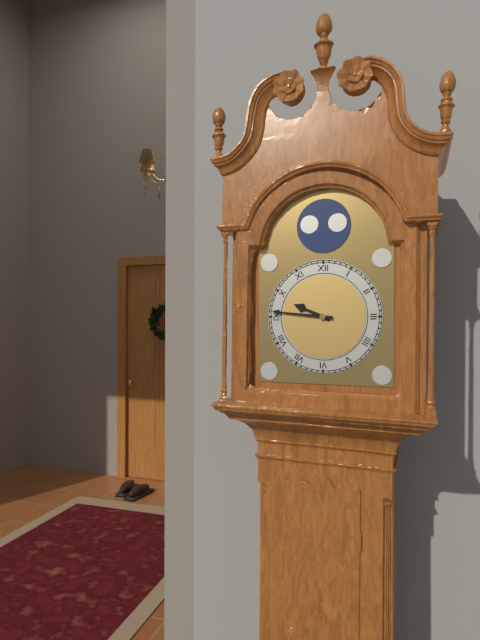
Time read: 9h46
